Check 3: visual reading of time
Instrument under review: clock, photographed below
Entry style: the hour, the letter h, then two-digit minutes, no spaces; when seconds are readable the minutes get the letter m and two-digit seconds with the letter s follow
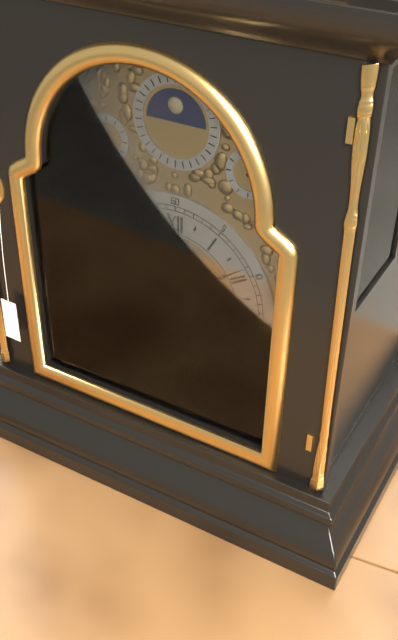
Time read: 12h09
